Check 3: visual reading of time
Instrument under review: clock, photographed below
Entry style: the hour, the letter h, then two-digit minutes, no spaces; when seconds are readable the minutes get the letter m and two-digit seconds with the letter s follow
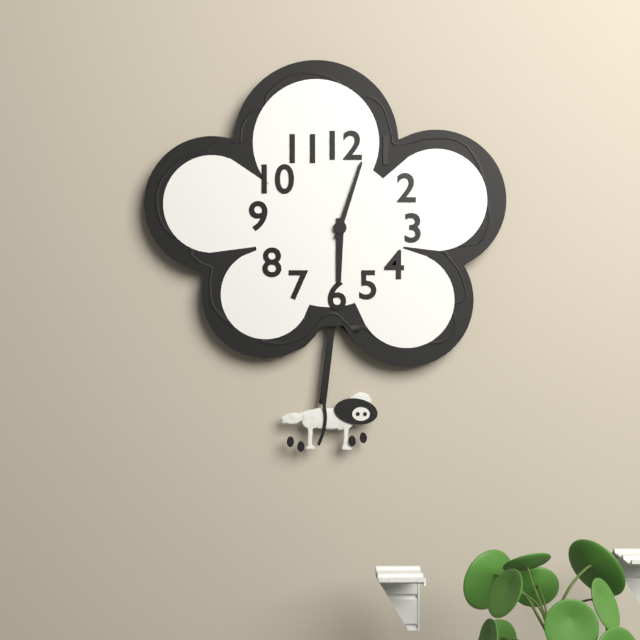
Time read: 6h03
